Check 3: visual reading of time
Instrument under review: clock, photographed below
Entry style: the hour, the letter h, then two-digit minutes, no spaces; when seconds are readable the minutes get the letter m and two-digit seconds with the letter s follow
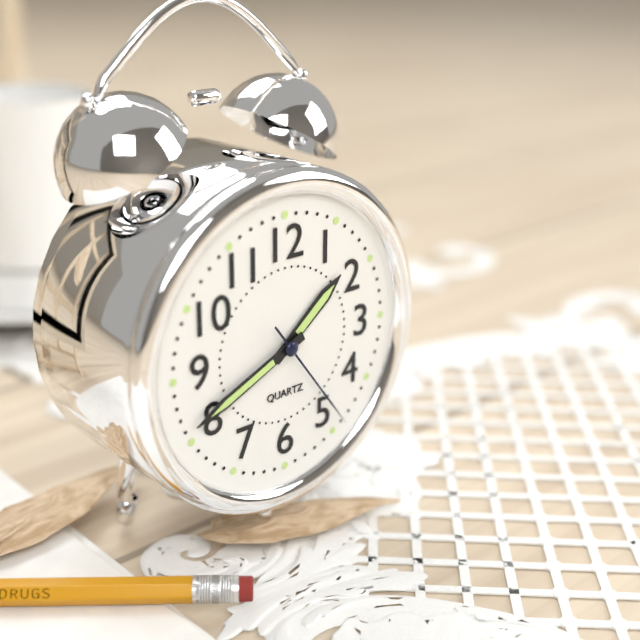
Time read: 1h41m24s
